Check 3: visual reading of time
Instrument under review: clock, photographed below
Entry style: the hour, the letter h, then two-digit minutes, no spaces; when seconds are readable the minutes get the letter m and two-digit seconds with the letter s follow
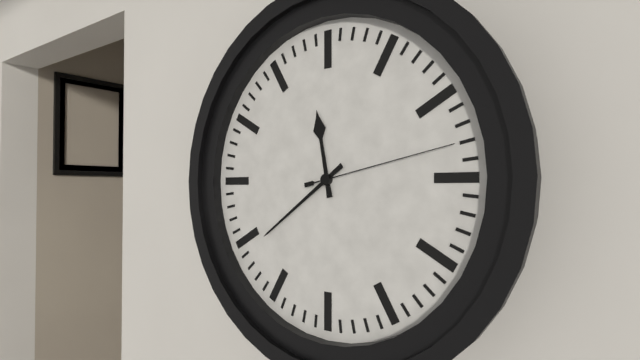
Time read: 11h39m13s
